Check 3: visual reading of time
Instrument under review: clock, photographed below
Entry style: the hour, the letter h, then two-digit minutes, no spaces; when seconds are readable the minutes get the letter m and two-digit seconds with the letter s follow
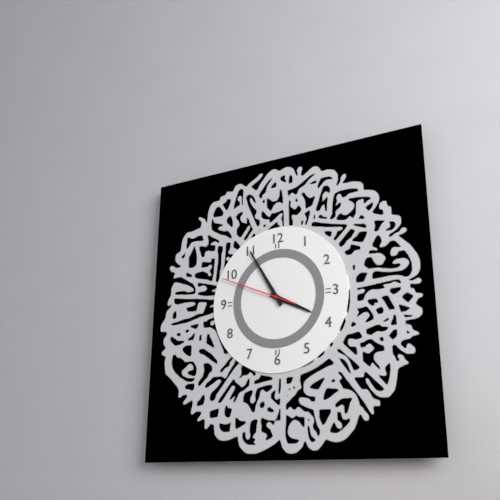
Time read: 3h55m49s
